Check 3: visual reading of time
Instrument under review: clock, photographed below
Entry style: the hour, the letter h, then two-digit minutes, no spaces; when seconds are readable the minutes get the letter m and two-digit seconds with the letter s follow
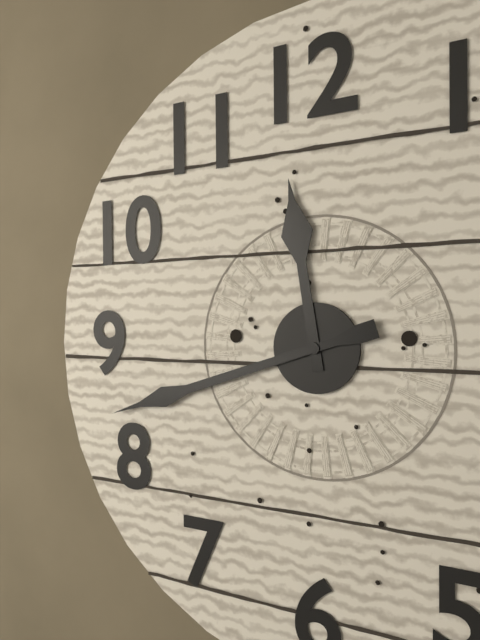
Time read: 11h42
